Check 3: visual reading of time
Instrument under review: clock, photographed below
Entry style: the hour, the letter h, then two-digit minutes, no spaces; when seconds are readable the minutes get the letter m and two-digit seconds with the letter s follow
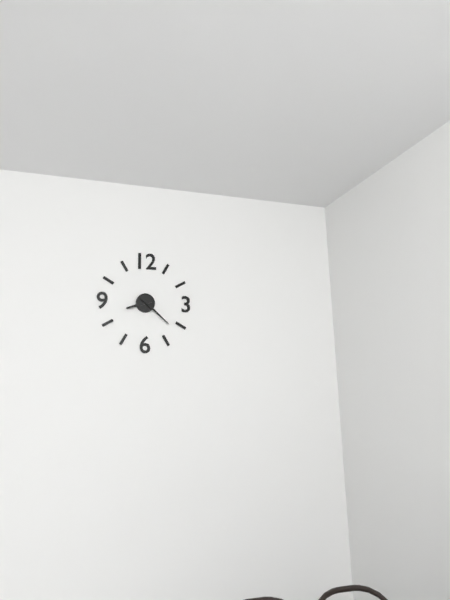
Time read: 8h22
